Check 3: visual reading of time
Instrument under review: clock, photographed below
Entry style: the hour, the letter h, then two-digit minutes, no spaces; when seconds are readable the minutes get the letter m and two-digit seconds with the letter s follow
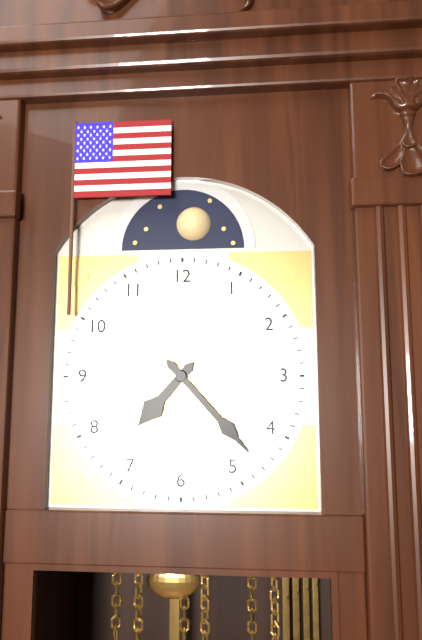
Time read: 7h23
